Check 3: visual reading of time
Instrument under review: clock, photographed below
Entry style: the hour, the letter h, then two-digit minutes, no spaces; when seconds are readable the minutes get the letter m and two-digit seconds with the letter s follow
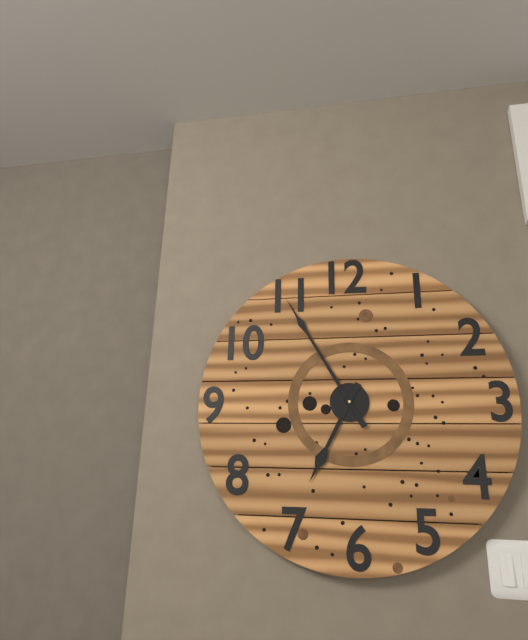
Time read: 6h55
